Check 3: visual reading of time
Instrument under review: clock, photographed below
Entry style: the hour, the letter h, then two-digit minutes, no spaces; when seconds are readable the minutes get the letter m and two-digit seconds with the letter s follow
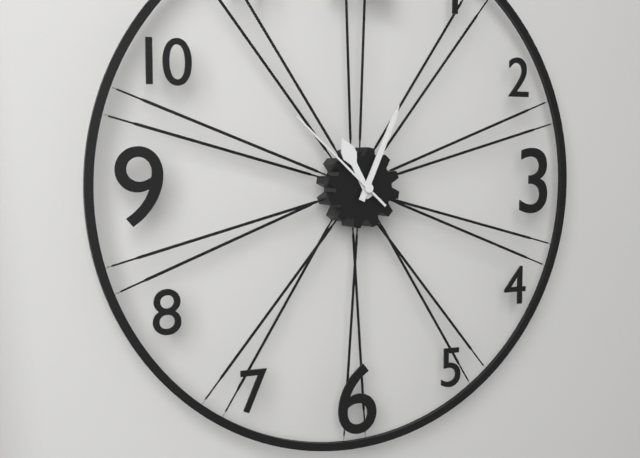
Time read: 11h04m52s
